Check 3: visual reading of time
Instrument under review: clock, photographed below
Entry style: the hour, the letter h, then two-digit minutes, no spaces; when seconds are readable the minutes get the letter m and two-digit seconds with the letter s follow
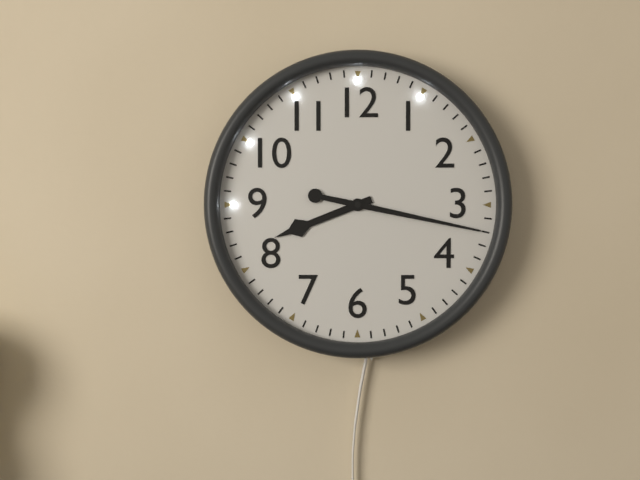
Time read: 8h17
